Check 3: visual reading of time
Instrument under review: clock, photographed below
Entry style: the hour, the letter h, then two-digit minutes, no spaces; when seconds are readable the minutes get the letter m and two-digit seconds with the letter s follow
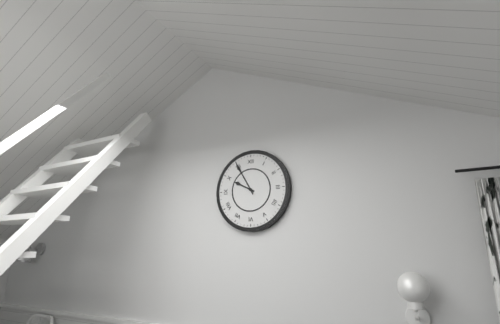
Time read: 9h55
